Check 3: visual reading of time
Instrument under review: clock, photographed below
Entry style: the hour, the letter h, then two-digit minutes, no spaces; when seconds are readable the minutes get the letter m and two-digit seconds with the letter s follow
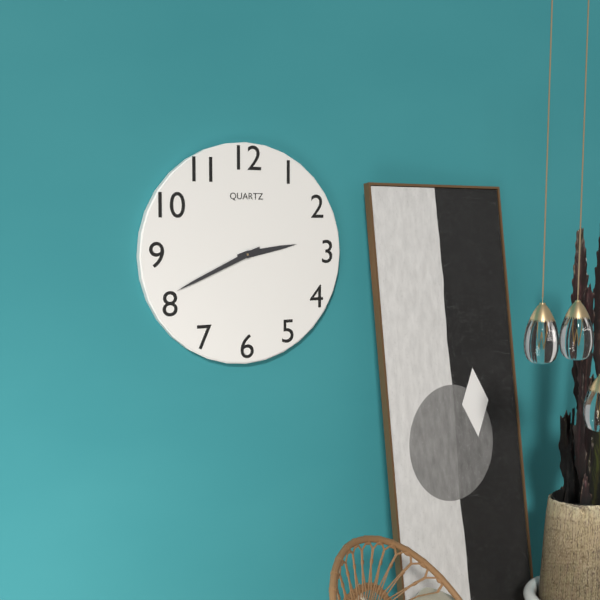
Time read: 2h41
